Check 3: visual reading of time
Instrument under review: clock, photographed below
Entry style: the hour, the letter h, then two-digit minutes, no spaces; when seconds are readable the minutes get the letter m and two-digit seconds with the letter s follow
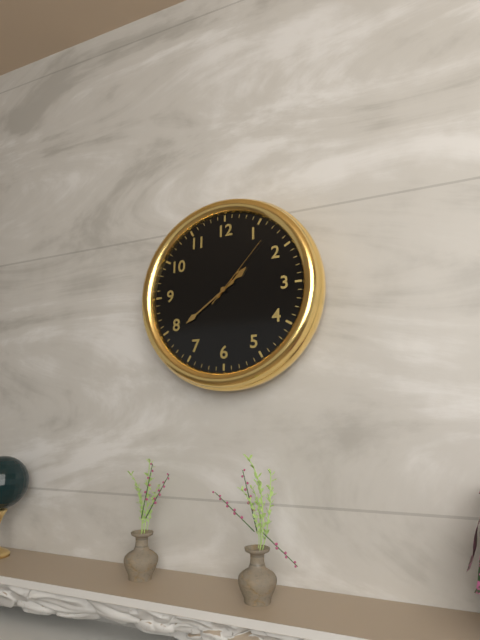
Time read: 1h39m07s
